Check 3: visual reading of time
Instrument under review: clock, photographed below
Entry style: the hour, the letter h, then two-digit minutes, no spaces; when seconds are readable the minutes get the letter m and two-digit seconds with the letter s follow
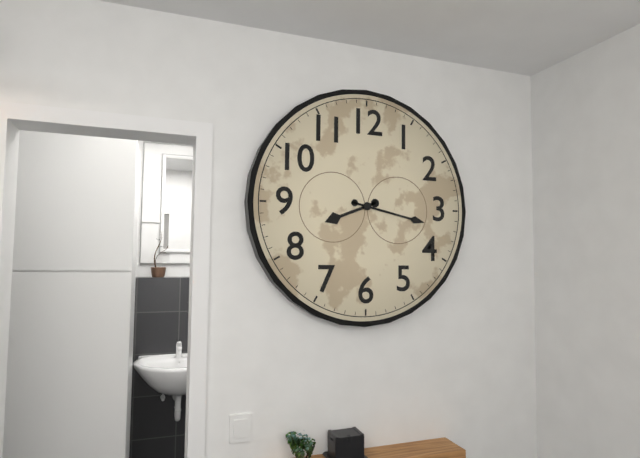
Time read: 8h17
